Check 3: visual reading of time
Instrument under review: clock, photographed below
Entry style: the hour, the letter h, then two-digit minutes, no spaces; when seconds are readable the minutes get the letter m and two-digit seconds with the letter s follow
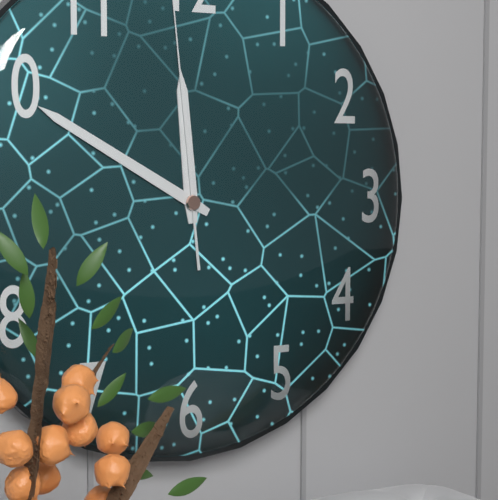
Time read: 11h50
